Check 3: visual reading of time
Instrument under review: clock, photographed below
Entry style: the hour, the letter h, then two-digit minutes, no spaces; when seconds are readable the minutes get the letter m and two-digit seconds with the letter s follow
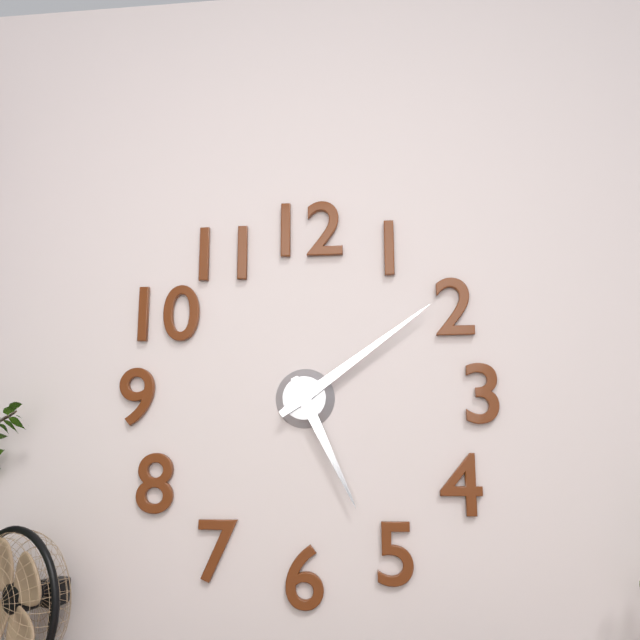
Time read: 5h09
